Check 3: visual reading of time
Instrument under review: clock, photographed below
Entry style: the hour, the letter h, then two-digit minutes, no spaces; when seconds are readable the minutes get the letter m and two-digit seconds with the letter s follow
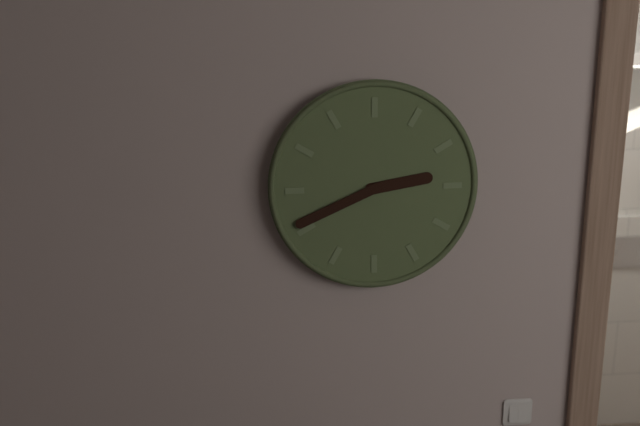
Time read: 2h41
